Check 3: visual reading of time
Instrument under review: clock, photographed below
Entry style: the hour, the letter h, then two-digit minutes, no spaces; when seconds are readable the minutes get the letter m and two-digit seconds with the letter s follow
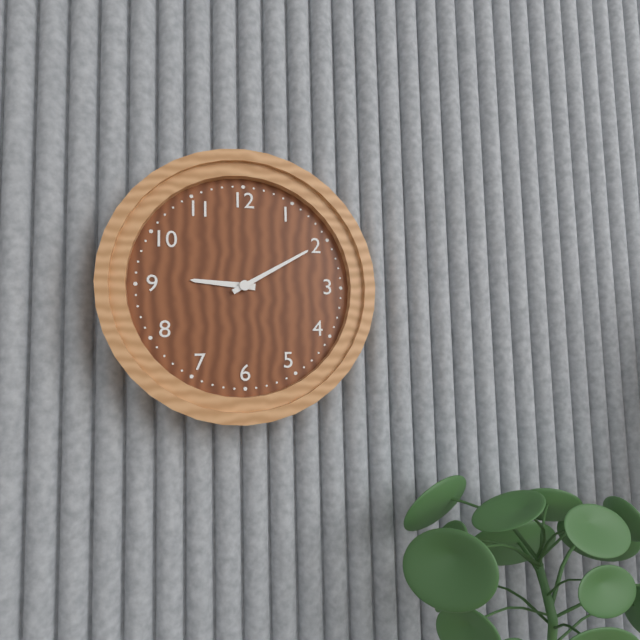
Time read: 9h10
